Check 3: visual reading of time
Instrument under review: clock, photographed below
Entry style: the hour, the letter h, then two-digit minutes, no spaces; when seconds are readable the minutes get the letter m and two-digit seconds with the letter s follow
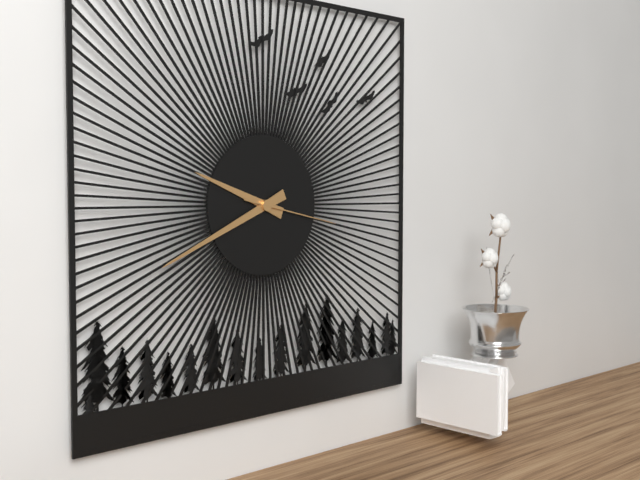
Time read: 9h41m17s
